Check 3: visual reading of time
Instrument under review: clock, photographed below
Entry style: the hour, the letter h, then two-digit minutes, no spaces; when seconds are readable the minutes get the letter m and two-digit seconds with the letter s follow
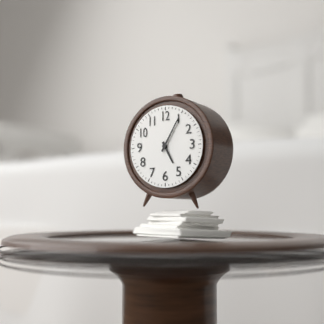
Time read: 5h05
